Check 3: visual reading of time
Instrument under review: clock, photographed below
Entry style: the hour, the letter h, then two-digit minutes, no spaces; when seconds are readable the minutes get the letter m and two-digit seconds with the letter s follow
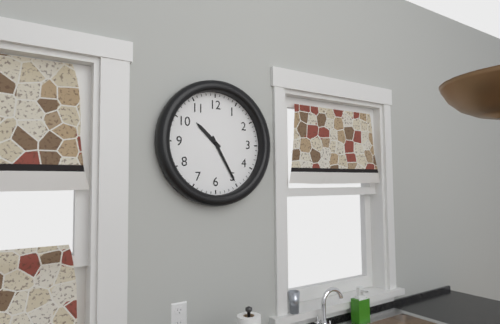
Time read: 10h25
